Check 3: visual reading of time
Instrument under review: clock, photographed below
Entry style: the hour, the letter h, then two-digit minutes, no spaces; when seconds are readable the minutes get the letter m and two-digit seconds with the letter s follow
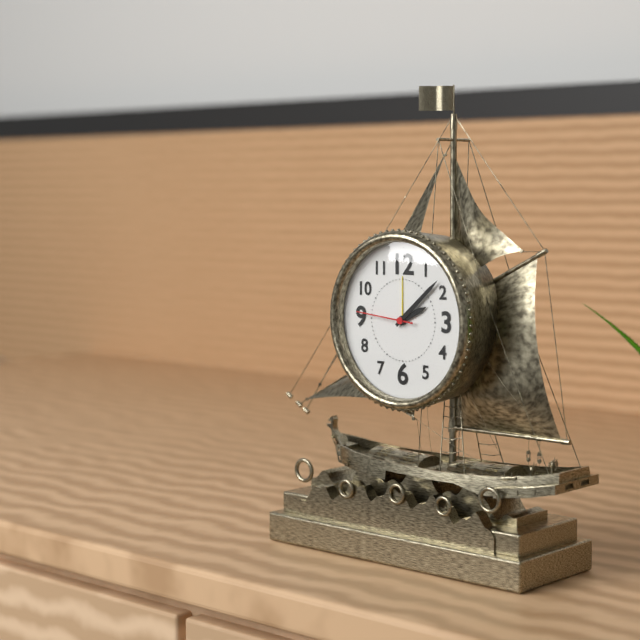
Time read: 2h08m46s
